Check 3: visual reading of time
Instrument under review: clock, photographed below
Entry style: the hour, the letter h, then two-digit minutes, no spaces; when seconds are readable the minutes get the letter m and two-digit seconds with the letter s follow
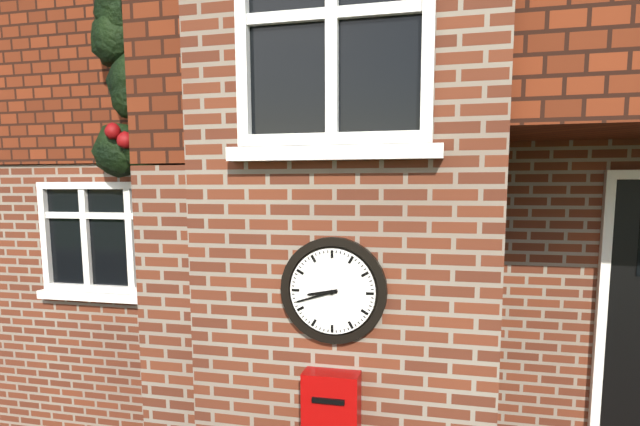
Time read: 8h42
